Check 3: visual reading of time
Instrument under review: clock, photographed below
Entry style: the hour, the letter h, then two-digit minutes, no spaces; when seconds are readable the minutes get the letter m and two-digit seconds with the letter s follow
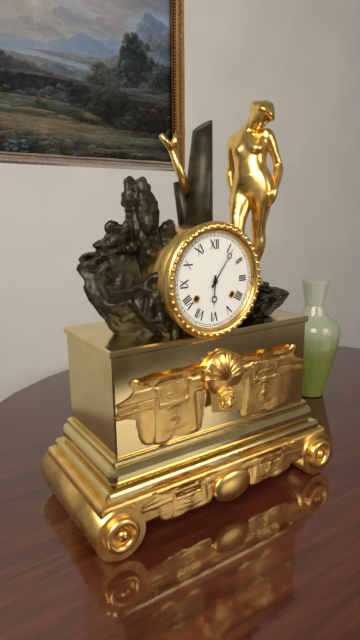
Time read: 6h06
